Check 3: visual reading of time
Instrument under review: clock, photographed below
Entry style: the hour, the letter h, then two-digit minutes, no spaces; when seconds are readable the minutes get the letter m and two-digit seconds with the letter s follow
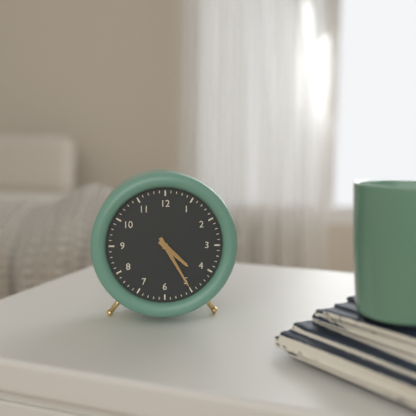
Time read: 4h25
